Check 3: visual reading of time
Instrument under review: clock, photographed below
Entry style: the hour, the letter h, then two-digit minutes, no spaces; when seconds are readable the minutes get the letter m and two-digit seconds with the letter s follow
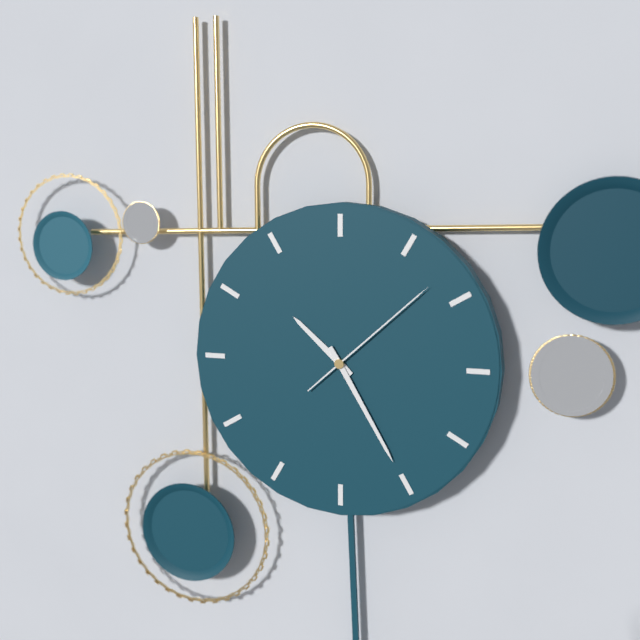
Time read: 10h25m08s
